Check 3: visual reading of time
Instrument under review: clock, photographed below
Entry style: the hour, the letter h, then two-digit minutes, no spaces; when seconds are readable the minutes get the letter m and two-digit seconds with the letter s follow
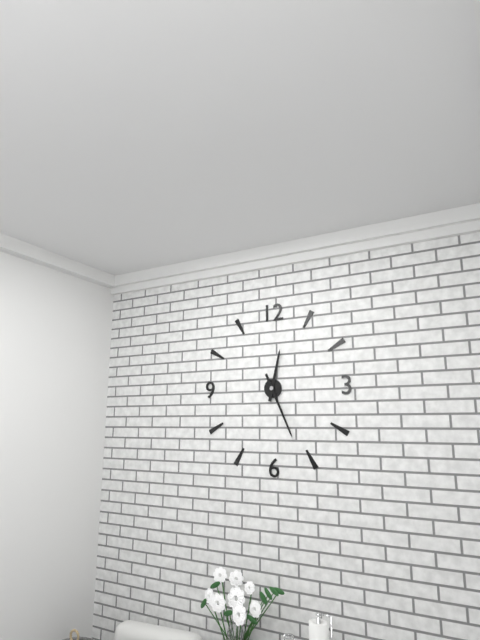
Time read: 12h26
